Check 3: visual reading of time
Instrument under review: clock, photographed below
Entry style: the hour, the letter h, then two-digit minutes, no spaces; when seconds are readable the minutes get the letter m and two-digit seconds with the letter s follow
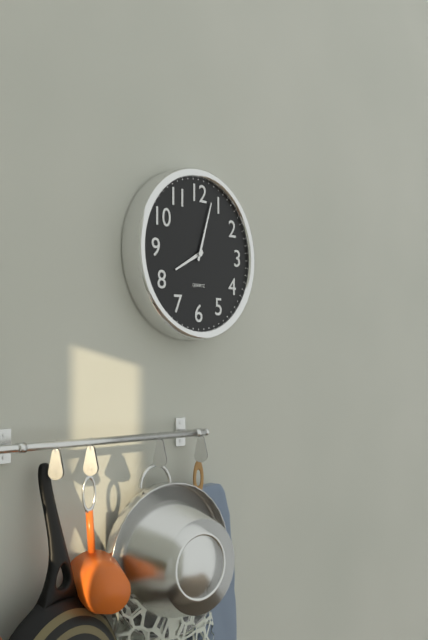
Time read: 8h03
